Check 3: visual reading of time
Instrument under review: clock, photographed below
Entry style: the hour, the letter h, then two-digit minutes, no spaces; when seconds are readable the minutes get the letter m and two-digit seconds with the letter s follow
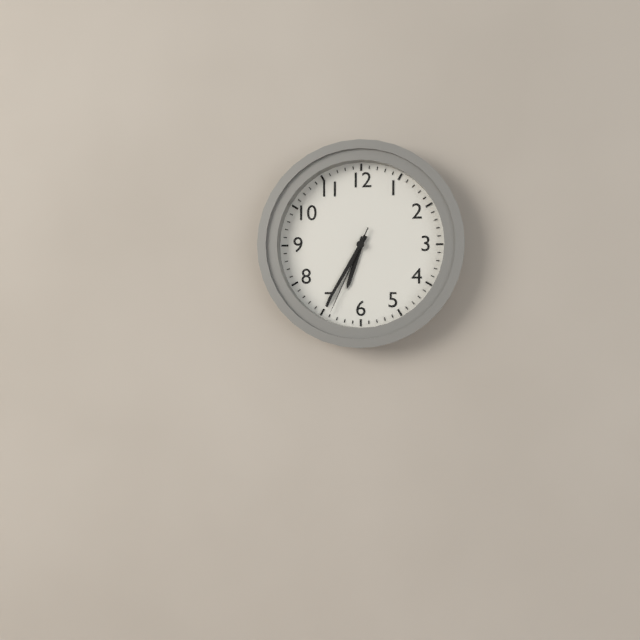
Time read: 6h35m34s
